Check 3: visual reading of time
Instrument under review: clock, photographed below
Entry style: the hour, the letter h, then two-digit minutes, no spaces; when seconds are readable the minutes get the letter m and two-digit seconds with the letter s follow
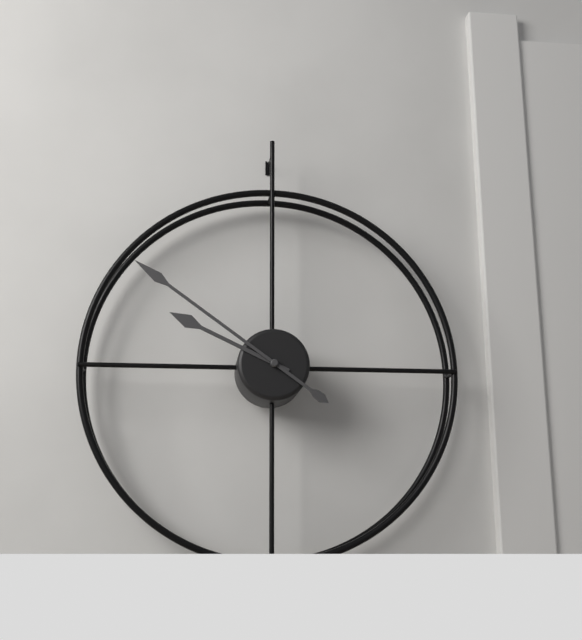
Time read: 9h51
